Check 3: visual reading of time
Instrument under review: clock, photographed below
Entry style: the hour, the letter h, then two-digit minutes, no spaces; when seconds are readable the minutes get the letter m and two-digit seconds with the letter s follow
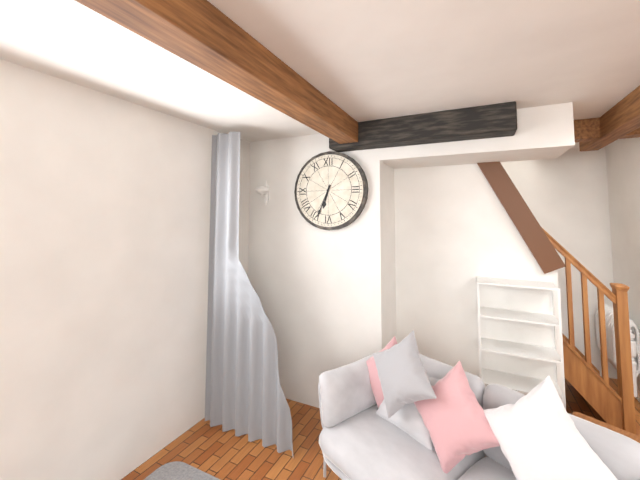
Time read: 6h34
